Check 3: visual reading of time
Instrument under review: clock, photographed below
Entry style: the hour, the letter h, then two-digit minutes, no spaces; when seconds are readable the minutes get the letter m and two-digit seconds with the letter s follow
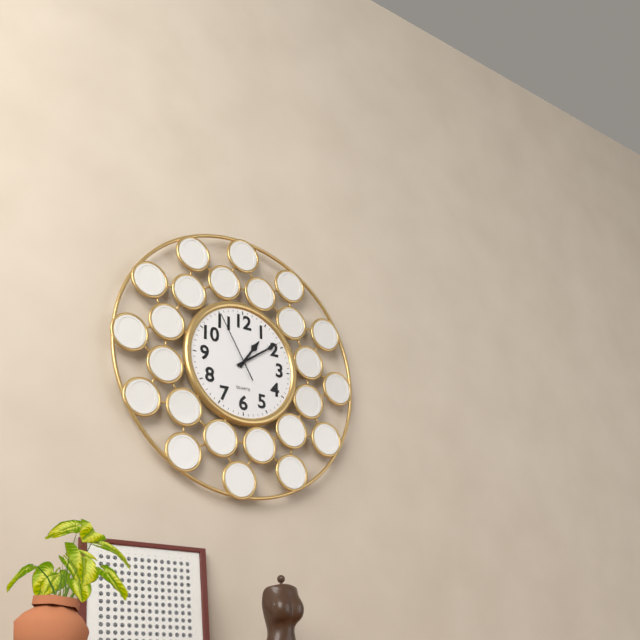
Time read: 1h09m55s
